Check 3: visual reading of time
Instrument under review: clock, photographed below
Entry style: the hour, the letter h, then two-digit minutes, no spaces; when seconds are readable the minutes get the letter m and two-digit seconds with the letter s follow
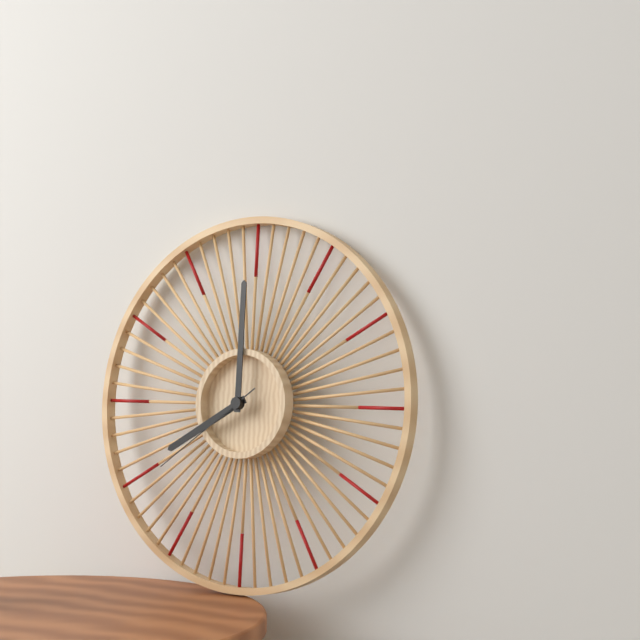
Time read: 8h00m39s
